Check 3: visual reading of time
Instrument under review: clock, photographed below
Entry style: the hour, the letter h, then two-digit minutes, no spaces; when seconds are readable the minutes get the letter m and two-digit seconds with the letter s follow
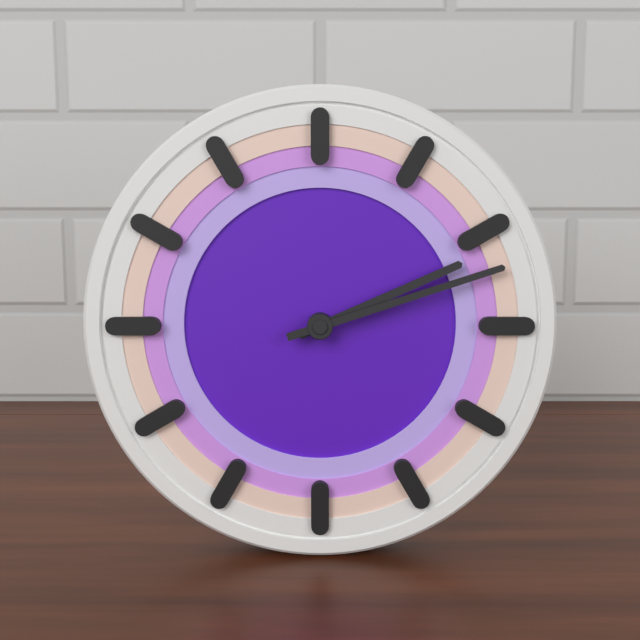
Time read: 2h12
